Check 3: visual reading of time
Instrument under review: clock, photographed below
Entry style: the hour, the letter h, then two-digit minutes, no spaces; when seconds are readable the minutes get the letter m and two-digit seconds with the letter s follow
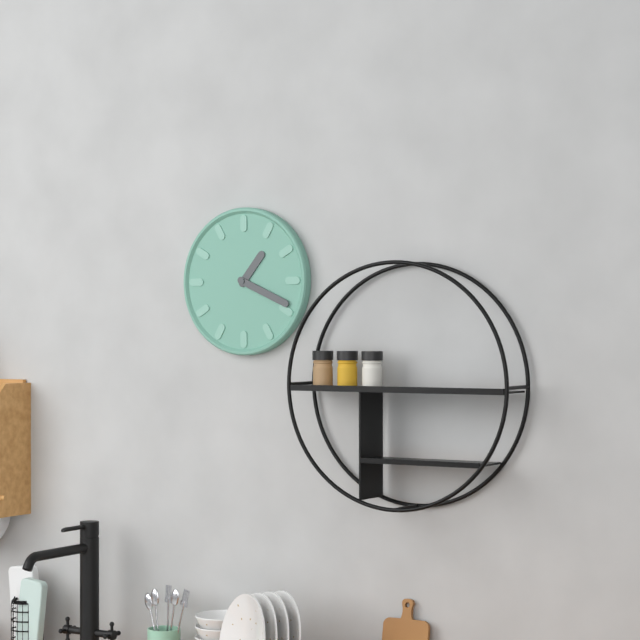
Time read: 1h19
